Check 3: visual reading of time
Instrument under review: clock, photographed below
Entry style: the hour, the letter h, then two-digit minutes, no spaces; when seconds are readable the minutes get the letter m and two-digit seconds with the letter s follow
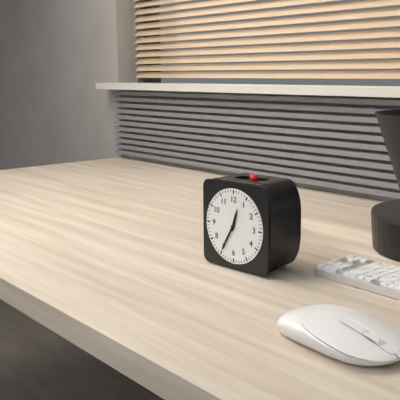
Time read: 12h35
